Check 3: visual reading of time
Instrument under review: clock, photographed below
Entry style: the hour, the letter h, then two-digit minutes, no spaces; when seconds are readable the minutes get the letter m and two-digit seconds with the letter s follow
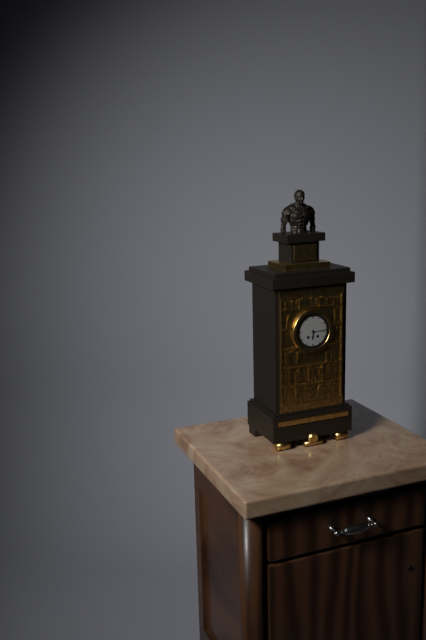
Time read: 6h15
